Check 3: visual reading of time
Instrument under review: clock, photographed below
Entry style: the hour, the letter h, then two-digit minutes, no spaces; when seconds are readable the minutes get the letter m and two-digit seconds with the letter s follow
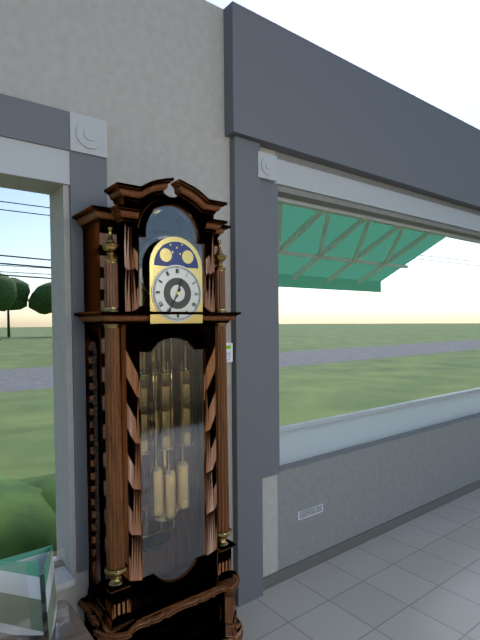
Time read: 12h35
